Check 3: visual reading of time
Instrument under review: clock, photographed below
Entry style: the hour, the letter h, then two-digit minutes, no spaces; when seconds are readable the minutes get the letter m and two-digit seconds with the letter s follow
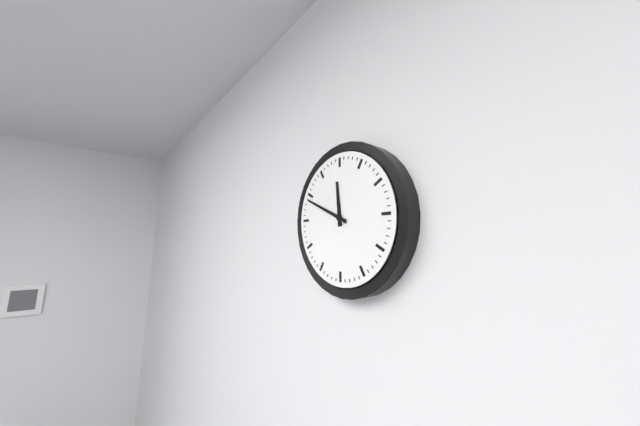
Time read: 11h49
